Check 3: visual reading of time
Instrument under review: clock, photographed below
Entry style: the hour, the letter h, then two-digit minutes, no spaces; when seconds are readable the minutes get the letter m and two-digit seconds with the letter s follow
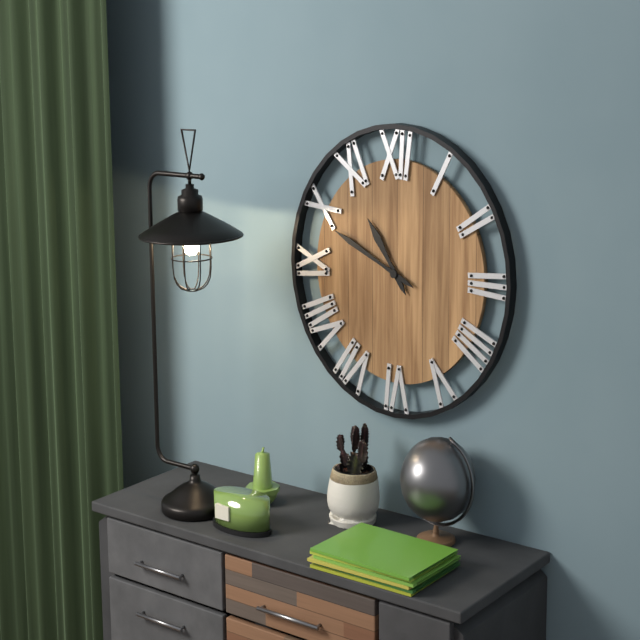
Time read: 10h49
